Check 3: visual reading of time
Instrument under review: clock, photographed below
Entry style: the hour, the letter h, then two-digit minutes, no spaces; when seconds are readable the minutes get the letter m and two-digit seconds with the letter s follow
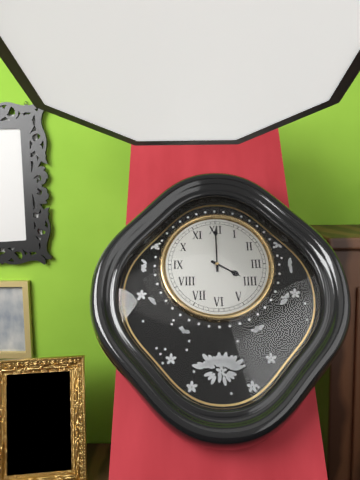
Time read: 4h00
